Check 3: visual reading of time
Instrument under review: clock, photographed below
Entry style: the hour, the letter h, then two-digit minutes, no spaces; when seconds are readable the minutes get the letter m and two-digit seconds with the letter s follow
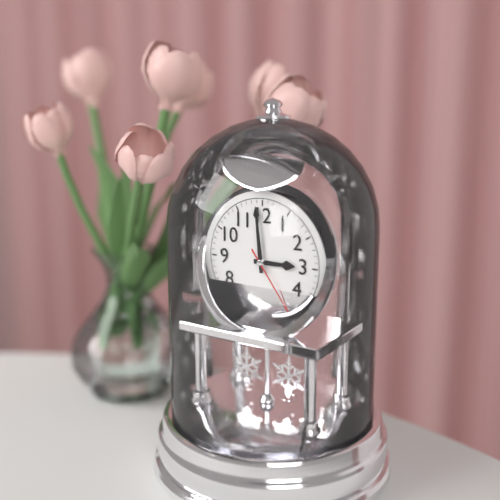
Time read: 2h59m24s
